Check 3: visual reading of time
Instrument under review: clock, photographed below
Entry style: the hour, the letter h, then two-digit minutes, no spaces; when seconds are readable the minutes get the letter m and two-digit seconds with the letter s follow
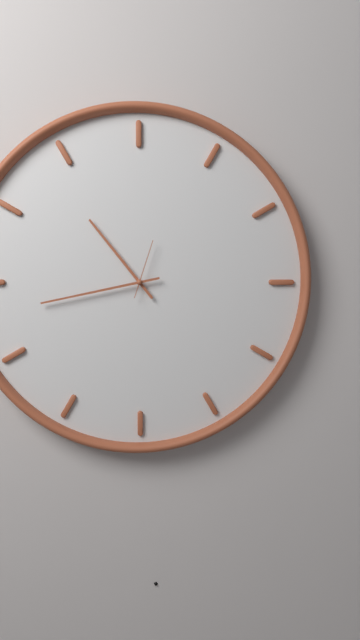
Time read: 10h43m03s
